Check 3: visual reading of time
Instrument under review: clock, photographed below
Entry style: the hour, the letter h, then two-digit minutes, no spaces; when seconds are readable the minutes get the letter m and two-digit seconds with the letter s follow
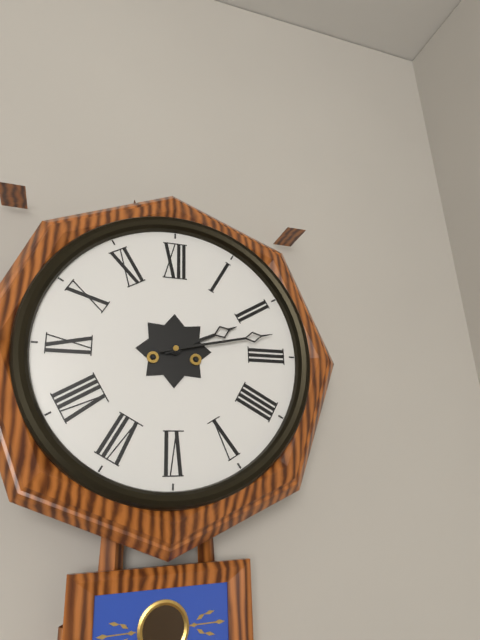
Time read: 2h13
